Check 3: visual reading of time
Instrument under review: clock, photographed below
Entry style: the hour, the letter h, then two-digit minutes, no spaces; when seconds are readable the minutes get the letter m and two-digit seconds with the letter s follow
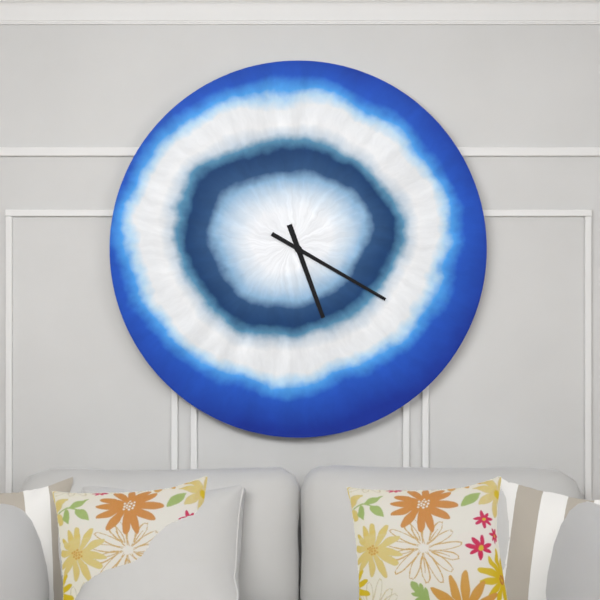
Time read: 5h20
